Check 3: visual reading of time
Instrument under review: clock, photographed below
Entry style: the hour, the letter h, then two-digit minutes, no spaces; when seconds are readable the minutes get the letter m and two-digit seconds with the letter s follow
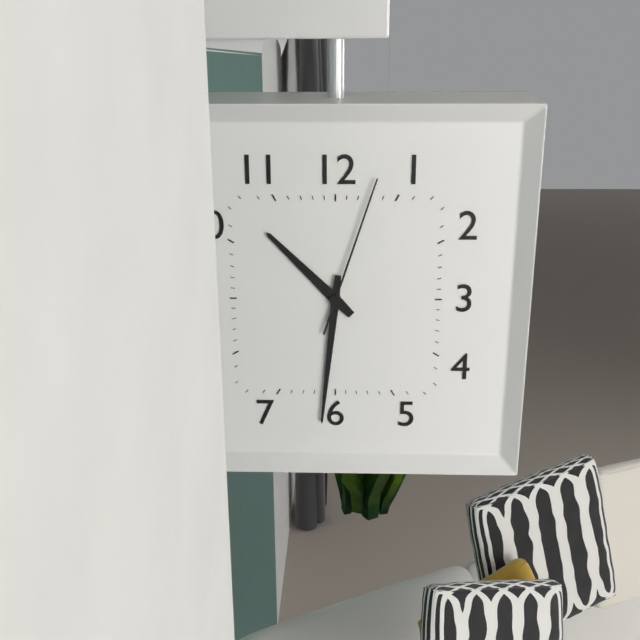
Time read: 10h31m03s
